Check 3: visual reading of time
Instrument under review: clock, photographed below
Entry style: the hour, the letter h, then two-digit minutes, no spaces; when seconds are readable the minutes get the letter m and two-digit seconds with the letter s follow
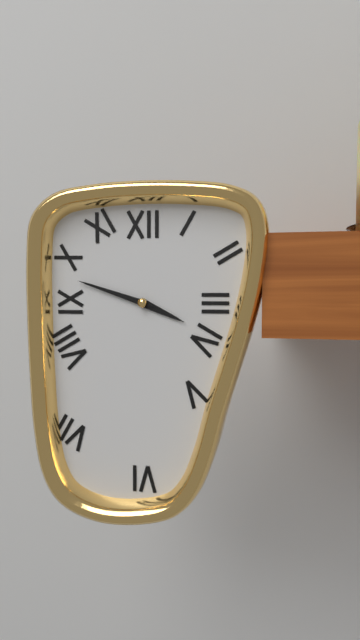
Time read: 3h48
